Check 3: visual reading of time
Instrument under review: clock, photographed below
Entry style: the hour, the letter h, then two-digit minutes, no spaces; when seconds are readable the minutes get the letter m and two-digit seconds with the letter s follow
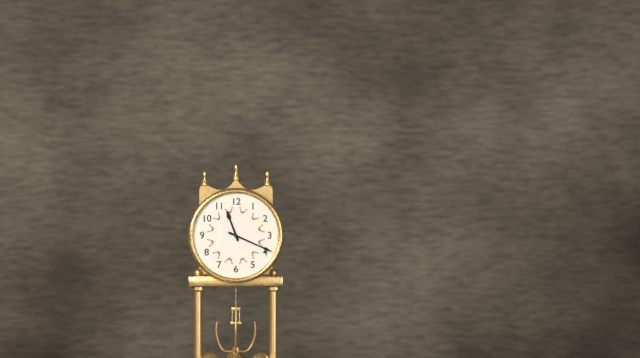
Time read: 11h19
